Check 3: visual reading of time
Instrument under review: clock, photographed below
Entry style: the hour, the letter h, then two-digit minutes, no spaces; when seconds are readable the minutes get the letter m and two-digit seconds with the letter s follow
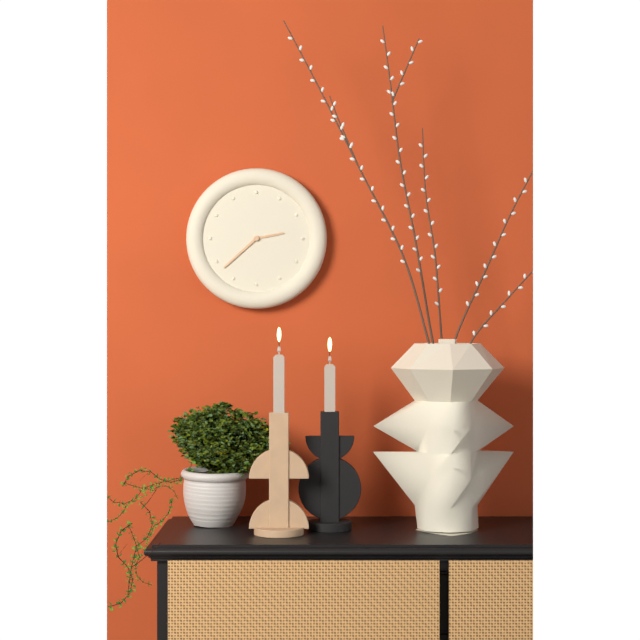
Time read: 2h38
